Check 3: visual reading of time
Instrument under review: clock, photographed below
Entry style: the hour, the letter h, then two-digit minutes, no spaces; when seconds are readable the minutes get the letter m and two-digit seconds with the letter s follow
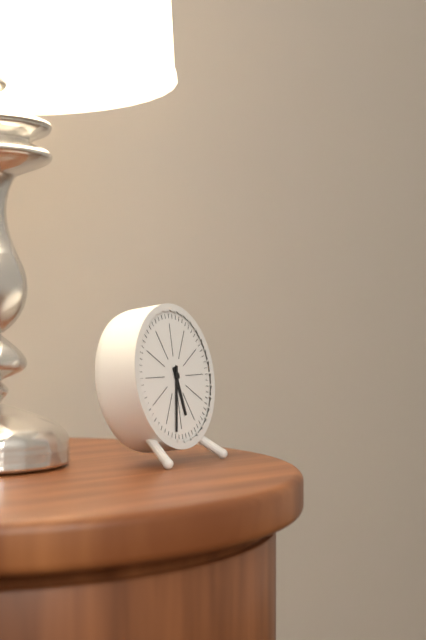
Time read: 5h32
